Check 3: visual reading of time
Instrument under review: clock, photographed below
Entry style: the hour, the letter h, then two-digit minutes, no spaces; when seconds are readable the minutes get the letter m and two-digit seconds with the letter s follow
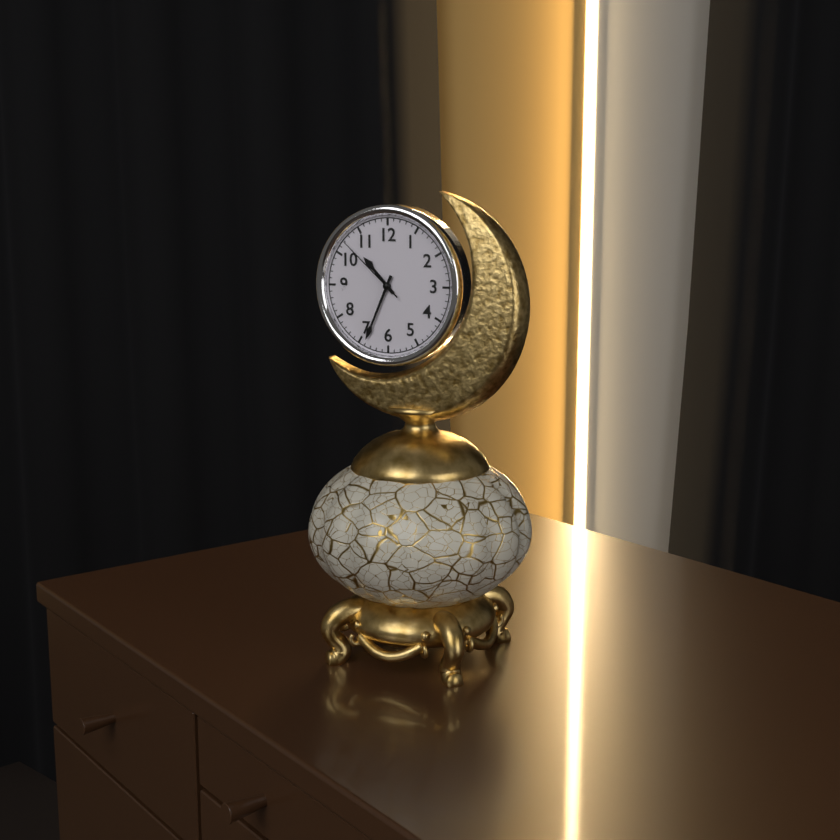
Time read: 10h34m52s
